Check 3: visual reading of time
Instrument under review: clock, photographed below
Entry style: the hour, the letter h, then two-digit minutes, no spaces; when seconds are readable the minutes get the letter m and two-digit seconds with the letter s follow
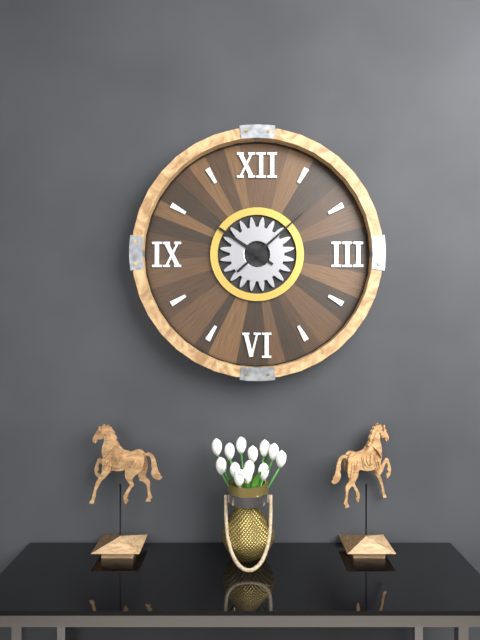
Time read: 10h08
